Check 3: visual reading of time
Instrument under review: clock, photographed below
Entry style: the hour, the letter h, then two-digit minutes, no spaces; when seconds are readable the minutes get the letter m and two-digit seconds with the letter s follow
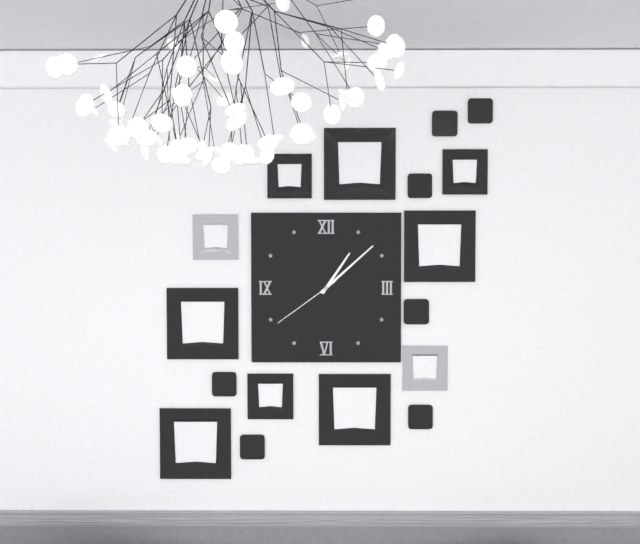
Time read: 1h08m39s
